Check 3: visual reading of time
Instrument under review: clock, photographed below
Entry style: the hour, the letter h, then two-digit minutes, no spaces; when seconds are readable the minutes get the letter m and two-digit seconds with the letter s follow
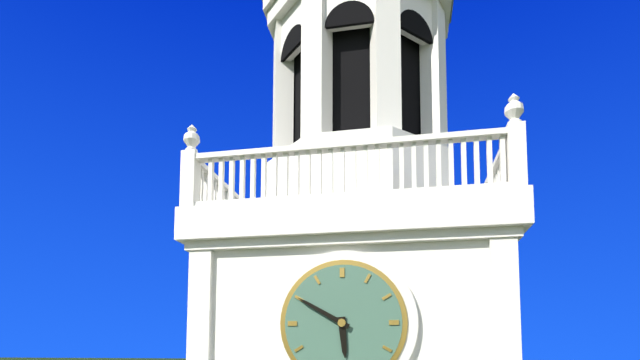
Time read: 5h50
